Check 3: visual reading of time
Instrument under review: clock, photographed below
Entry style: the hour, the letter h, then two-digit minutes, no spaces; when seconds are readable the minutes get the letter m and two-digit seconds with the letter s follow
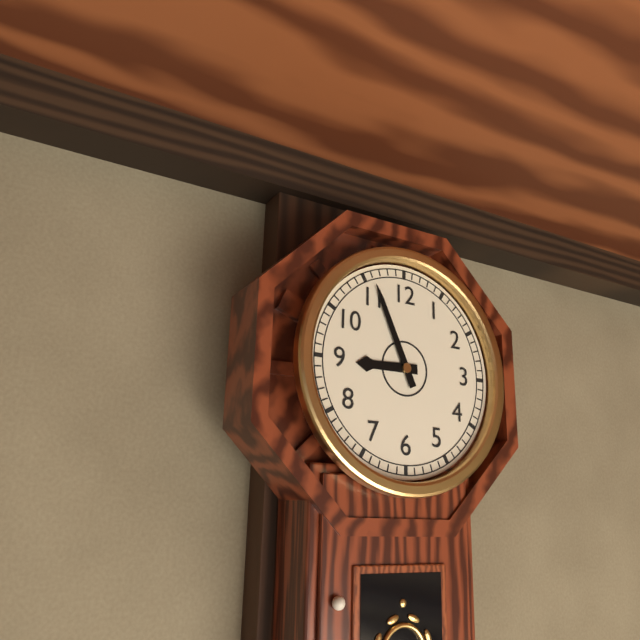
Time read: 8h56
